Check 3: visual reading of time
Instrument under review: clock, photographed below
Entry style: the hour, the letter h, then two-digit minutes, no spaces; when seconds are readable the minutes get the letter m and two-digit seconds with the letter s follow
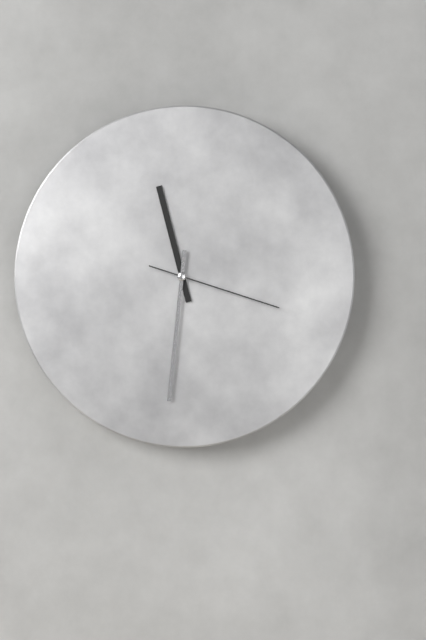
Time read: 11h31m18s
